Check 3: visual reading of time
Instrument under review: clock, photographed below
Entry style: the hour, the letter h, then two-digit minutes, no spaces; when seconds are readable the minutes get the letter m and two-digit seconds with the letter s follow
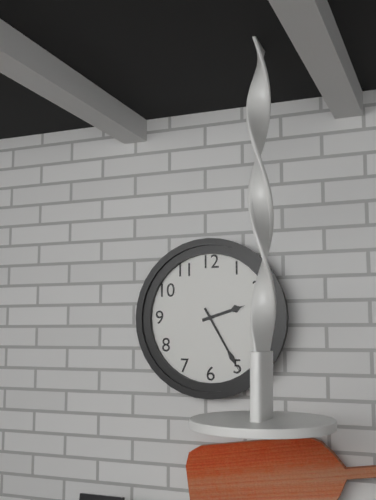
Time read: 2h25
